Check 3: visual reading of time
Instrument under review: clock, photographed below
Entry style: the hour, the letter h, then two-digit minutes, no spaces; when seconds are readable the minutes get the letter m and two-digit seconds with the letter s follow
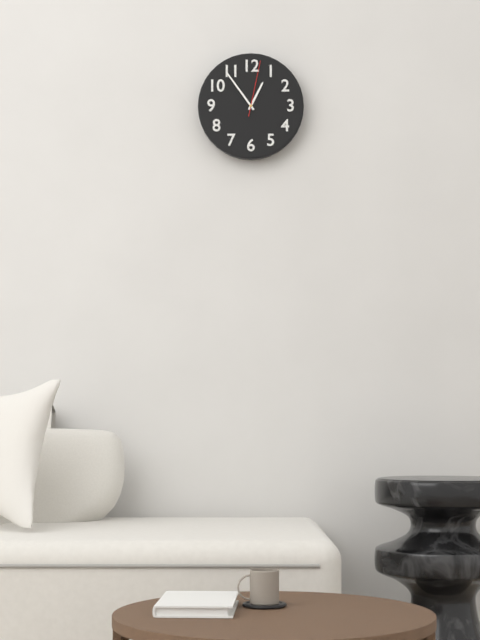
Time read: 12h54m02s
